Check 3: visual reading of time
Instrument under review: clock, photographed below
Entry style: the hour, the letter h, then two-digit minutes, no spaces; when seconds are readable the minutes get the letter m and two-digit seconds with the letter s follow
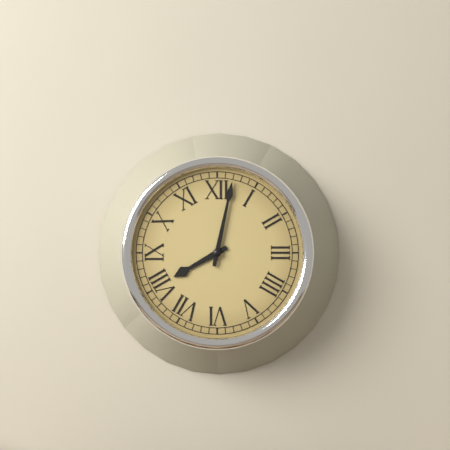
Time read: 8h02
